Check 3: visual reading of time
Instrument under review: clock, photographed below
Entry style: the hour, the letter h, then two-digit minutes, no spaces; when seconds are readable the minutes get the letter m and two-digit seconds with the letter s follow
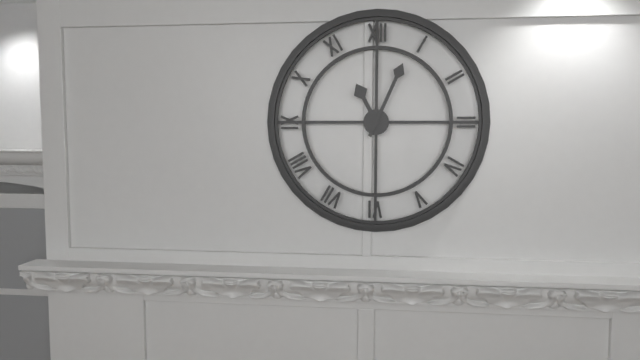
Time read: 11h04
